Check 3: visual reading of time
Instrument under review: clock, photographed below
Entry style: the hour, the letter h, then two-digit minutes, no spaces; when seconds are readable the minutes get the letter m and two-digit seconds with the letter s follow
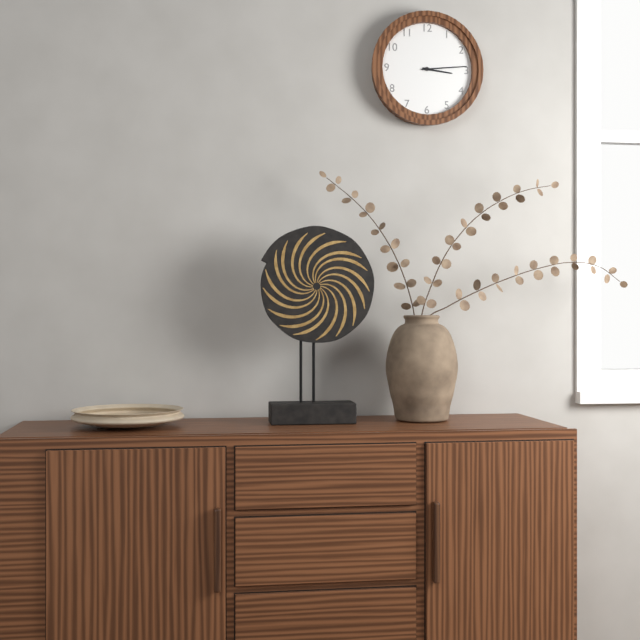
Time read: 3h14
